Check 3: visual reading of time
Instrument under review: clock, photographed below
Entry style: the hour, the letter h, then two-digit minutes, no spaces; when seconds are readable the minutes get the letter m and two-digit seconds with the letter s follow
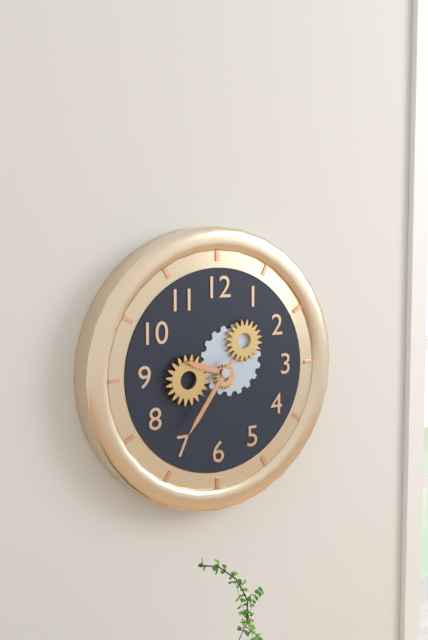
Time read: 9h36
